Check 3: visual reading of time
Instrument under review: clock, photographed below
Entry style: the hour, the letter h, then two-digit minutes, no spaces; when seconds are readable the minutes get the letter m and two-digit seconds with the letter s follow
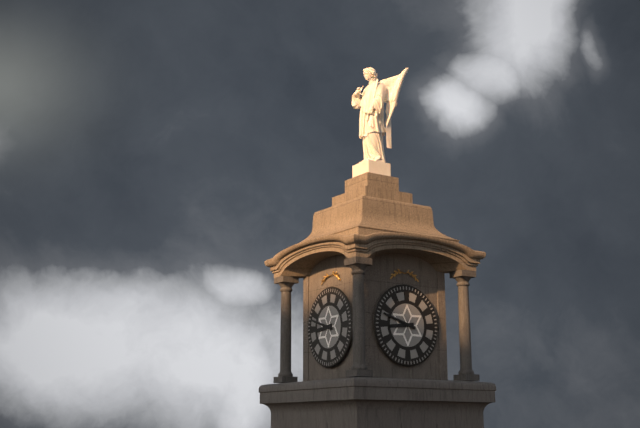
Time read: 8h48
